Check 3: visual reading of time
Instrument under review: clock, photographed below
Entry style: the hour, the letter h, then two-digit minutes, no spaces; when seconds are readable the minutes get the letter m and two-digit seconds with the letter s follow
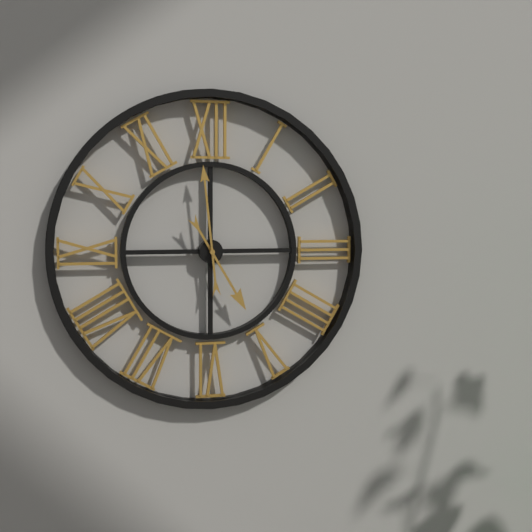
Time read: 4h59
